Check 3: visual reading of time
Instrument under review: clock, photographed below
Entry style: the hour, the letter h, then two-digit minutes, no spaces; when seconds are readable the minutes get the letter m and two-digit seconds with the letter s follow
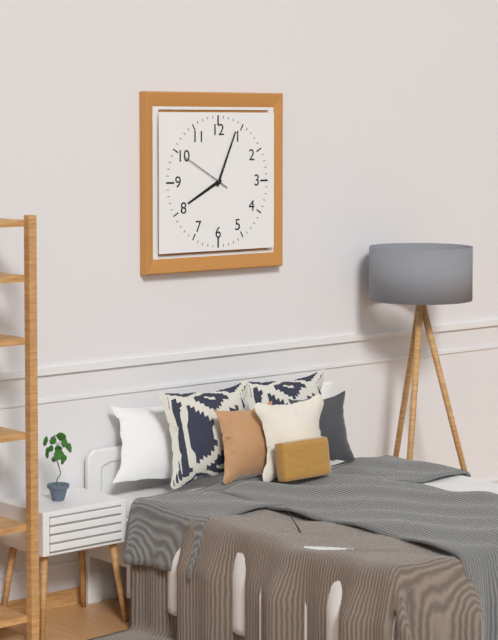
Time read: 8h04m50s
